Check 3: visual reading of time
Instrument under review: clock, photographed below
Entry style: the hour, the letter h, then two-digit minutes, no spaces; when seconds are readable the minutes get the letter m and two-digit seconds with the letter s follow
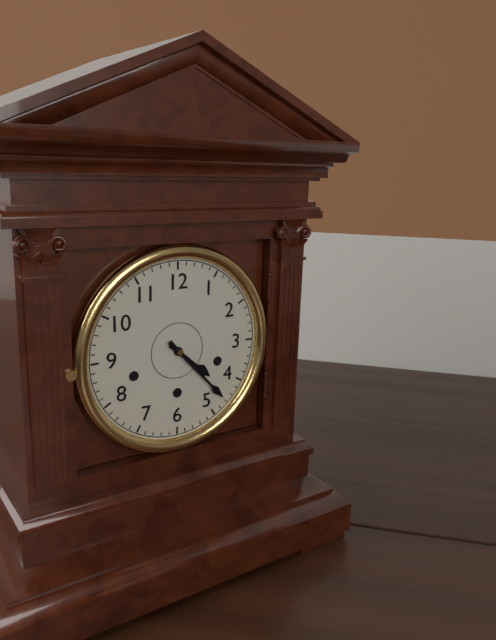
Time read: 4h23
